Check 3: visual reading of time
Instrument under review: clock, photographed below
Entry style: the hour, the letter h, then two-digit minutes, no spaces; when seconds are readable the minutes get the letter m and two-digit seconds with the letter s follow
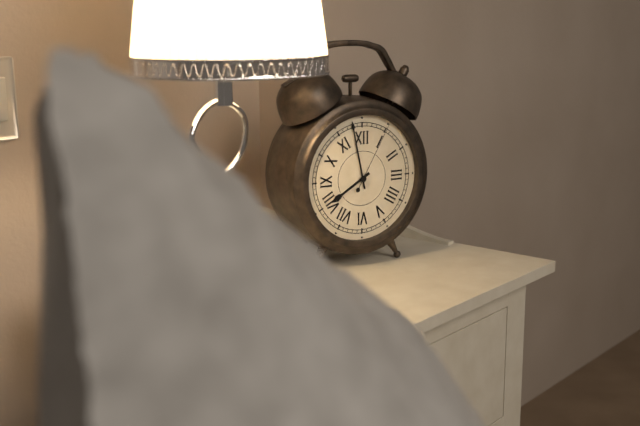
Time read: 7h58m05s
